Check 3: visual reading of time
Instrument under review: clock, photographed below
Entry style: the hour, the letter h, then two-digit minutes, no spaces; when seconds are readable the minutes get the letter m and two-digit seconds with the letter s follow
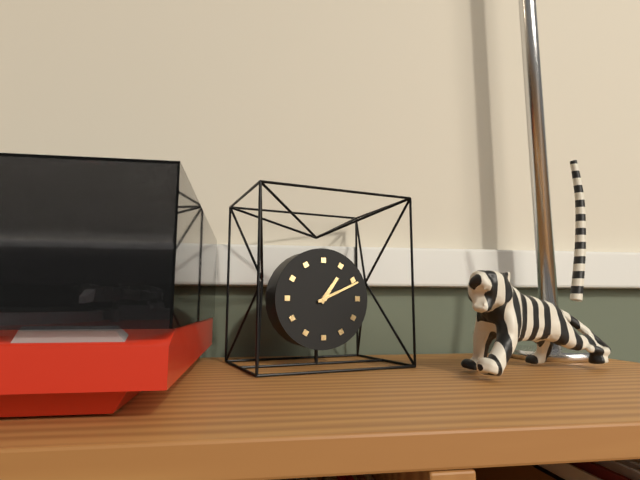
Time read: 1h11
